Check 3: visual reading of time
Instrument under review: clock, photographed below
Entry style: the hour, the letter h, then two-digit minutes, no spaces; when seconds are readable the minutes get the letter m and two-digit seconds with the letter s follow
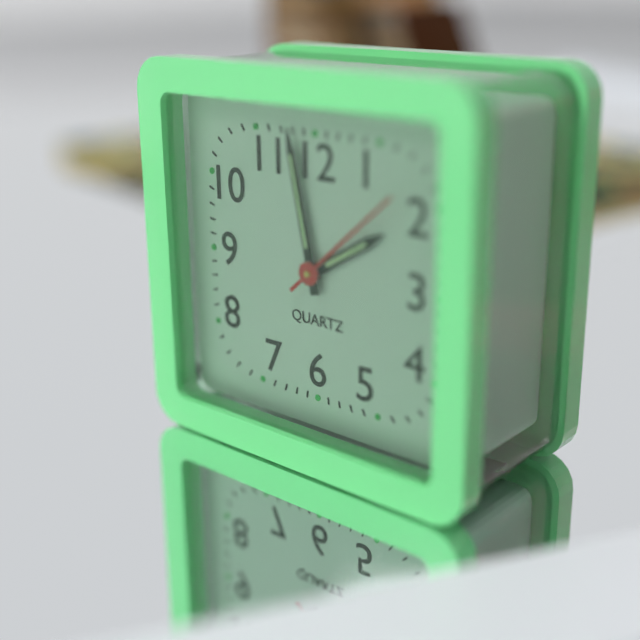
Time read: 1h58m08s
